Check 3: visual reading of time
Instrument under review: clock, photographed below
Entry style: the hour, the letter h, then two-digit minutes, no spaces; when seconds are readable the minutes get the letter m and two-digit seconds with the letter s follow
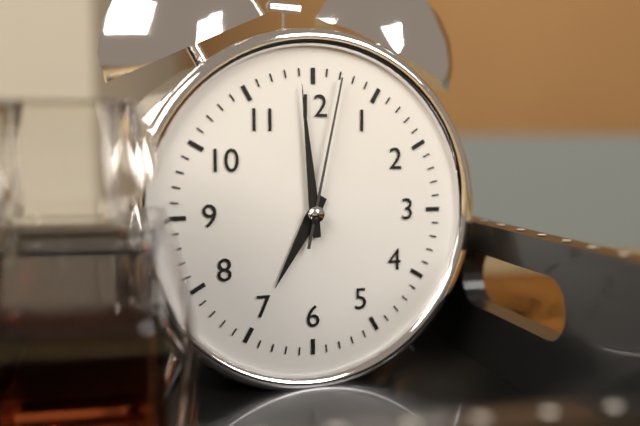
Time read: 6h59m02s
